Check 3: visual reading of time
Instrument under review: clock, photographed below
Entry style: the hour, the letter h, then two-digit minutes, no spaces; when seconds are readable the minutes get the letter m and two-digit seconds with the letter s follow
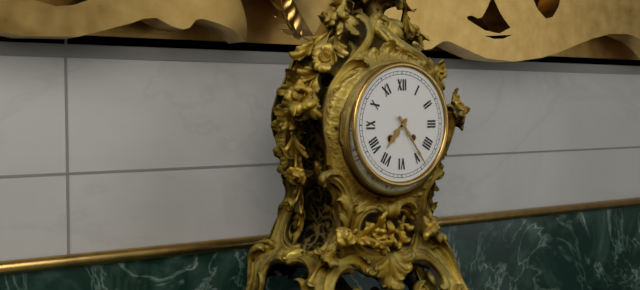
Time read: 7h24
